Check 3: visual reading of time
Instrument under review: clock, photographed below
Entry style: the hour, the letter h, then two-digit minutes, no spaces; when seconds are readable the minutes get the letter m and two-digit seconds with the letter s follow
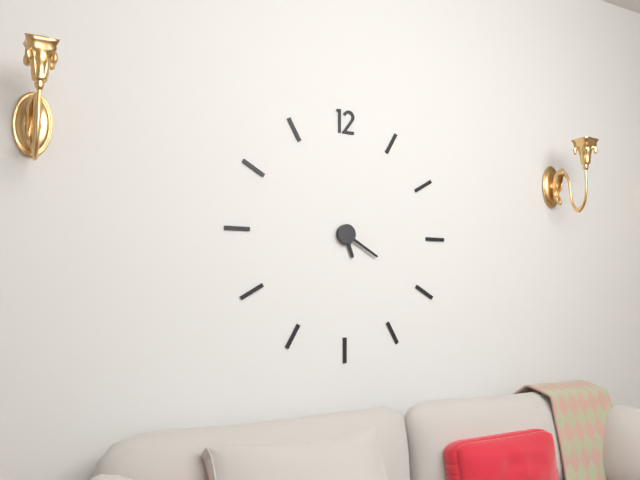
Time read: 5h20
